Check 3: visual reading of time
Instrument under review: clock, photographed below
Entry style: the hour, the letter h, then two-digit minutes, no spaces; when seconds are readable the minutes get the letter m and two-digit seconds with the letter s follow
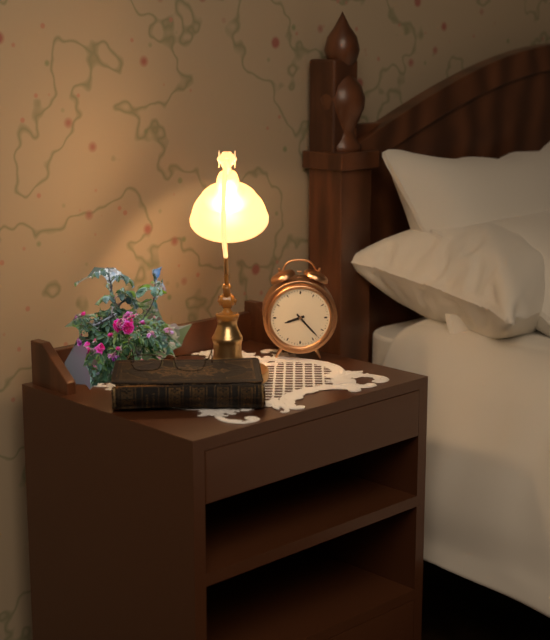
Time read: 8h23
